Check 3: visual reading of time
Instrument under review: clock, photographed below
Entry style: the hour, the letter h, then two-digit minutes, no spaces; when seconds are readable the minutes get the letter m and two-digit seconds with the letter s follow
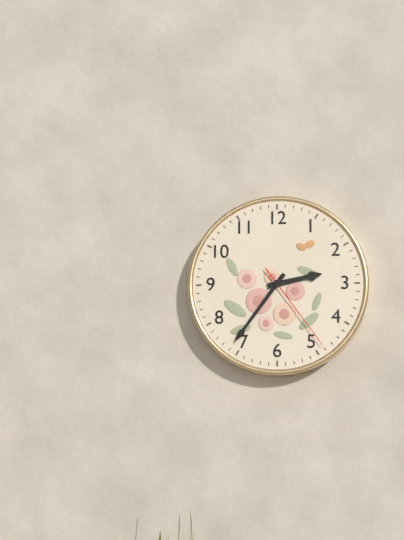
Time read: 2h36m24s
